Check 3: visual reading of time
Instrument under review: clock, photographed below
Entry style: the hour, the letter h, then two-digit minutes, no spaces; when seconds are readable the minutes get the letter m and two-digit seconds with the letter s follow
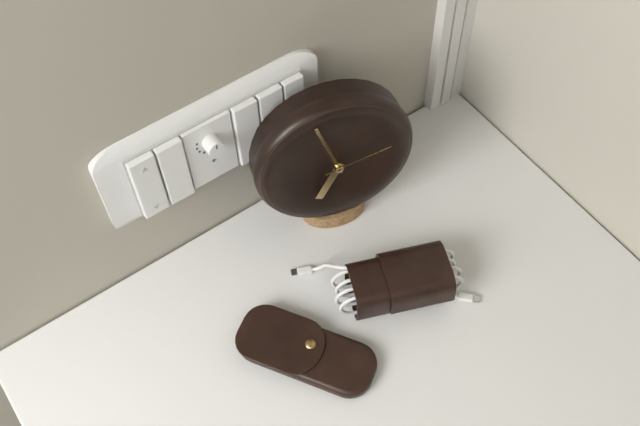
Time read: 6h57m13s
